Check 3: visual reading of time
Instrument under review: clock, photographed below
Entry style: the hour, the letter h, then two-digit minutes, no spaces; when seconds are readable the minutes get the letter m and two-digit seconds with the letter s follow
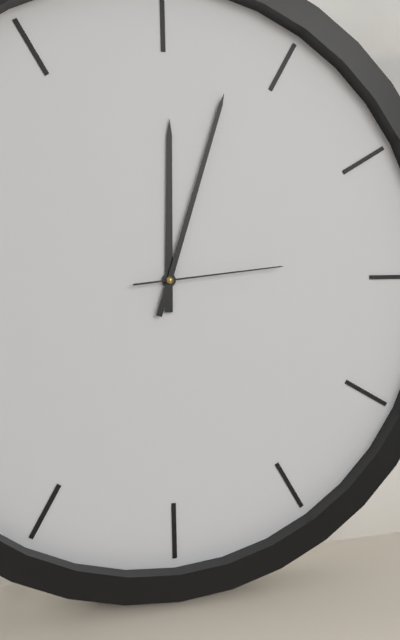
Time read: 12h03m14s
